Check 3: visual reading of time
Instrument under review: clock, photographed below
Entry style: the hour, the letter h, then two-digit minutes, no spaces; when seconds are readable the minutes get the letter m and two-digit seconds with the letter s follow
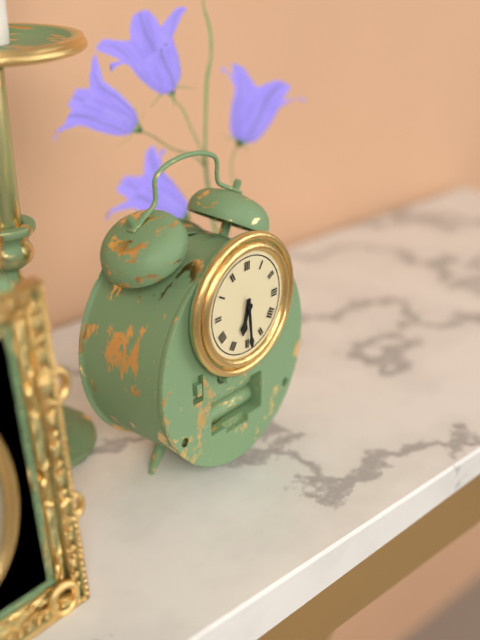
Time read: 6h29
